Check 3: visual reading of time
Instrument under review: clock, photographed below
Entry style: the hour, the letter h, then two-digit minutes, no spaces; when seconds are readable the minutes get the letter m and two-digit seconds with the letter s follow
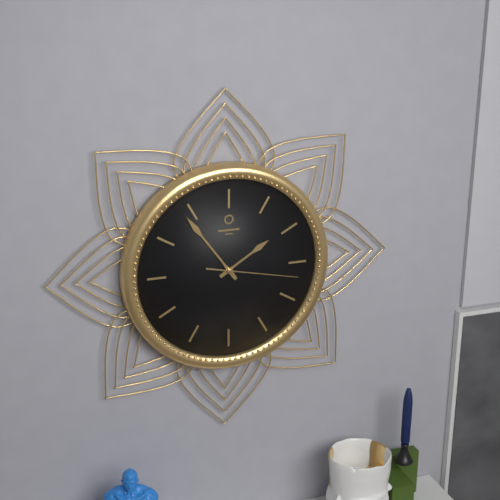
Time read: 1h54m17s
